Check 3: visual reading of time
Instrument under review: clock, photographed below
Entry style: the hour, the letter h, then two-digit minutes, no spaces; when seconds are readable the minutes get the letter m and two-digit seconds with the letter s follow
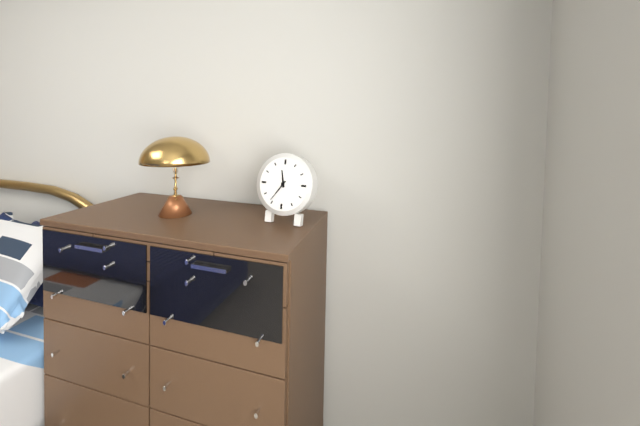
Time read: 11h36
